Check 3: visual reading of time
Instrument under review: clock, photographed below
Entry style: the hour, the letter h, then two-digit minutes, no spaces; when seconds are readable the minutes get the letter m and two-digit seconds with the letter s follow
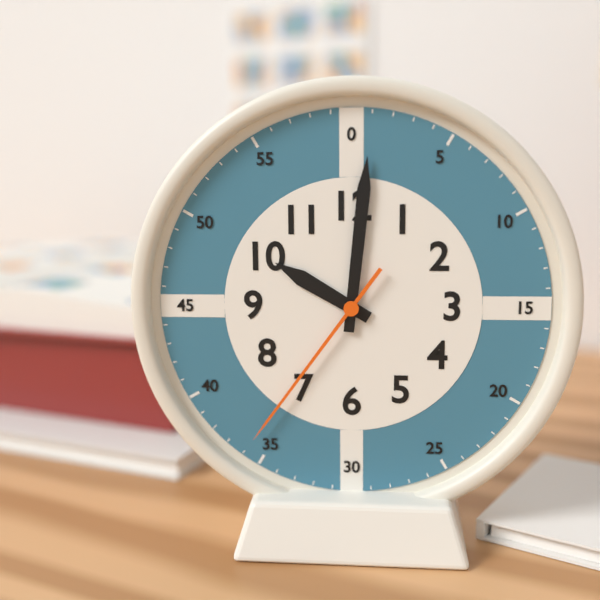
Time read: 10h01m36s
